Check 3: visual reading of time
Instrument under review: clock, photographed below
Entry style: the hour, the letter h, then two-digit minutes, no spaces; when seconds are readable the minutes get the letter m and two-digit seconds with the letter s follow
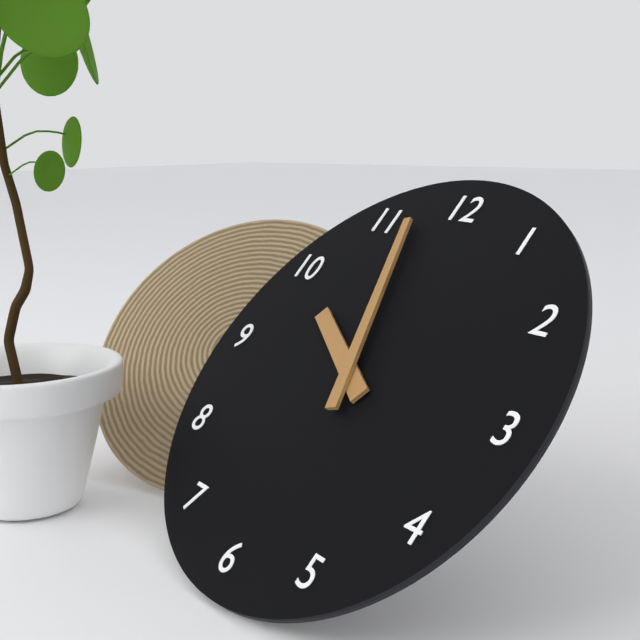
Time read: 9h57
